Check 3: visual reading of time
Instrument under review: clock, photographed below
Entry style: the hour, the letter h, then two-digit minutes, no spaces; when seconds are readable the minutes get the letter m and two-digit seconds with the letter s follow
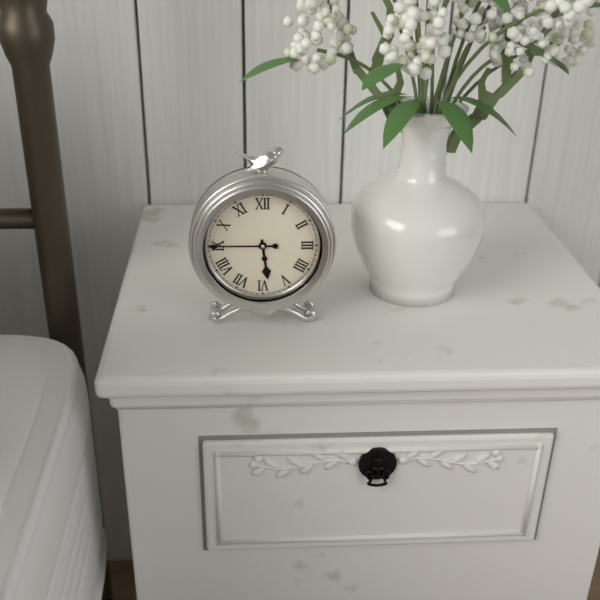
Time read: 5h45
